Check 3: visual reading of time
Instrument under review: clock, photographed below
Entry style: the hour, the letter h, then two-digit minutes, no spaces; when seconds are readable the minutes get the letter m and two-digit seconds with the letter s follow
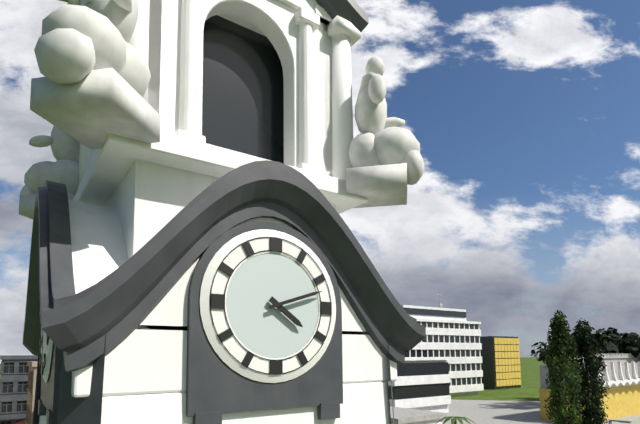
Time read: 4h12
